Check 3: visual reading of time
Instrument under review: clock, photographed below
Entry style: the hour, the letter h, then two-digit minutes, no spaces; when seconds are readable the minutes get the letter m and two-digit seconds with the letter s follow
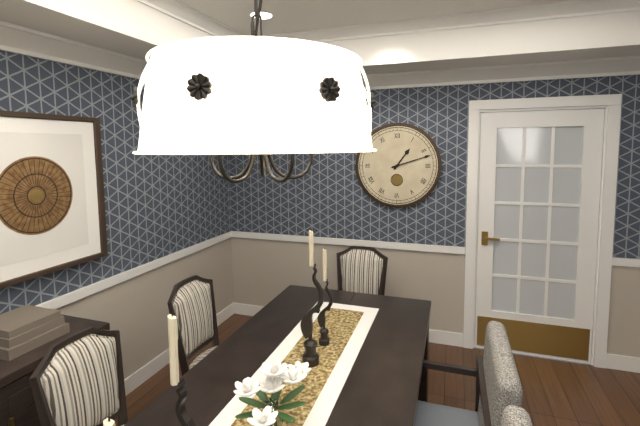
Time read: 1h12
